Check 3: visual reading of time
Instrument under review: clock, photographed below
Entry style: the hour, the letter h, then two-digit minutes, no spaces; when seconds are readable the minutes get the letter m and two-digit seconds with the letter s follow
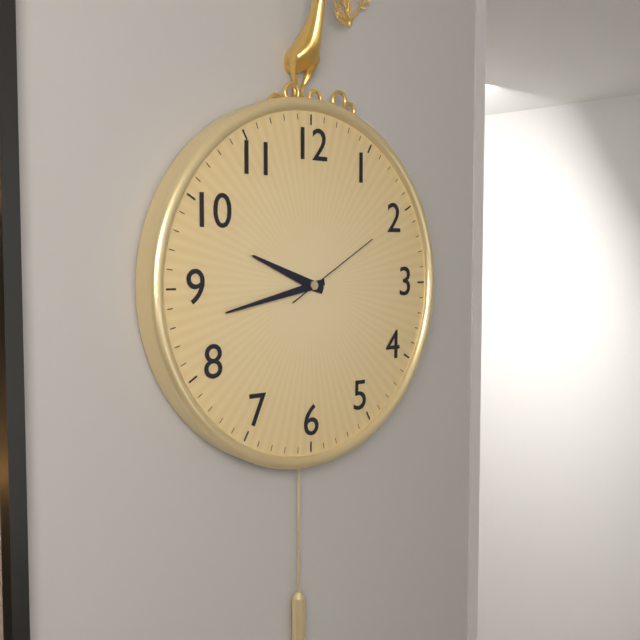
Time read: 9h43m10s
